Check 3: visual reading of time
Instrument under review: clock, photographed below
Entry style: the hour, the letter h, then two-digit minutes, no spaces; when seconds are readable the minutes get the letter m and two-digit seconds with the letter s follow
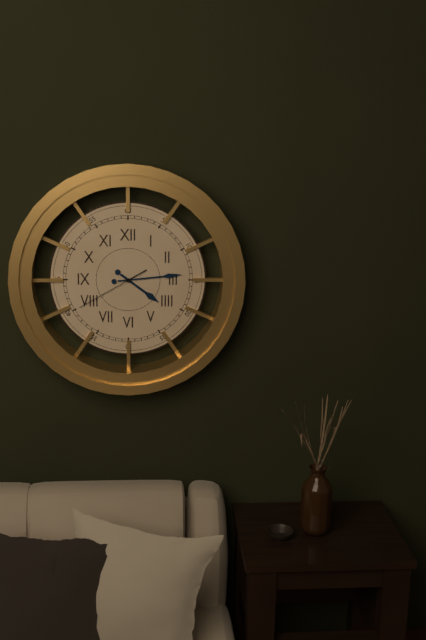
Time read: 4h14m40s
